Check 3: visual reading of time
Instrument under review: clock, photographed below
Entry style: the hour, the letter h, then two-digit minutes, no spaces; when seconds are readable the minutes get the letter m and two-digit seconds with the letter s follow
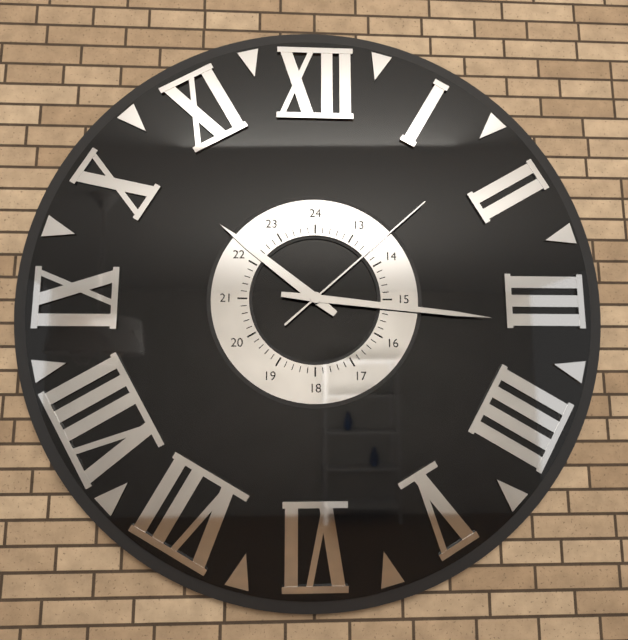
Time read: 10h16m08s
